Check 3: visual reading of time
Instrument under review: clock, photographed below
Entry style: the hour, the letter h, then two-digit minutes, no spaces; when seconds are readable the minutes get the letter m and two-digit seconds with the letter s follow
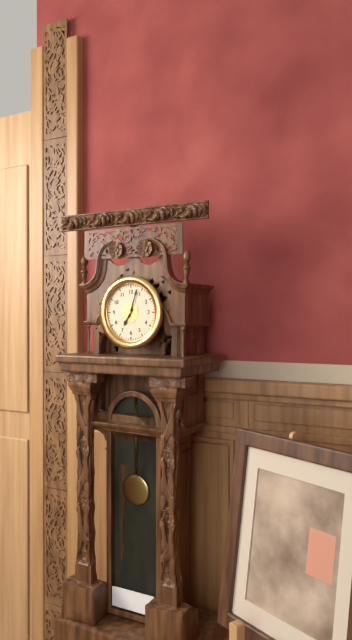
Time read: 7h03
